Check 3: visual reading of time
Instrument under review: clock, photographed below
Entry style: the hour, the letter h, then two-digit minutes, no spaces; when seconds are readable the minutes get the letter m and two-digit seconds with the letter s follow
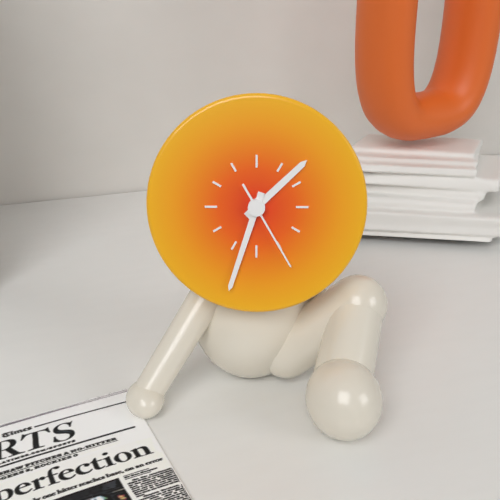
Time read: 1h33m25s
